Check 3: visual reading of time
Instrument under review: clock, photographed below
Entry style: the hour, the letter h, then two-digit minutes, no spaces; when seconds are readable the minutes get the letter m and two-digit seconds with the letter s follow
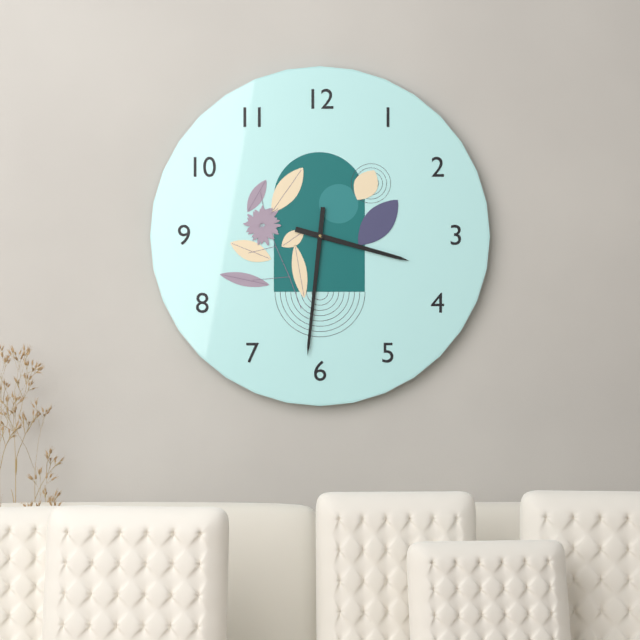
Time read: 3h31
